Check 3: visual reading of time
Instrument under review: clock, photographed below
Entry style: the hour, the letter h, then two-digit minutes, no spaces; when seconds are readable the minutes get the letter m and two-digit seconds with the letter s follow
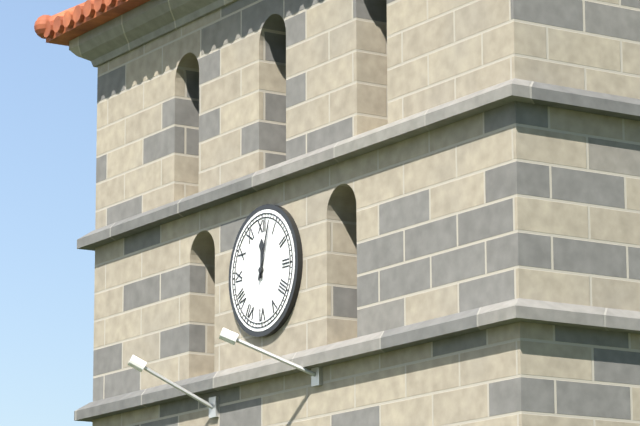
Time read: 12h03
